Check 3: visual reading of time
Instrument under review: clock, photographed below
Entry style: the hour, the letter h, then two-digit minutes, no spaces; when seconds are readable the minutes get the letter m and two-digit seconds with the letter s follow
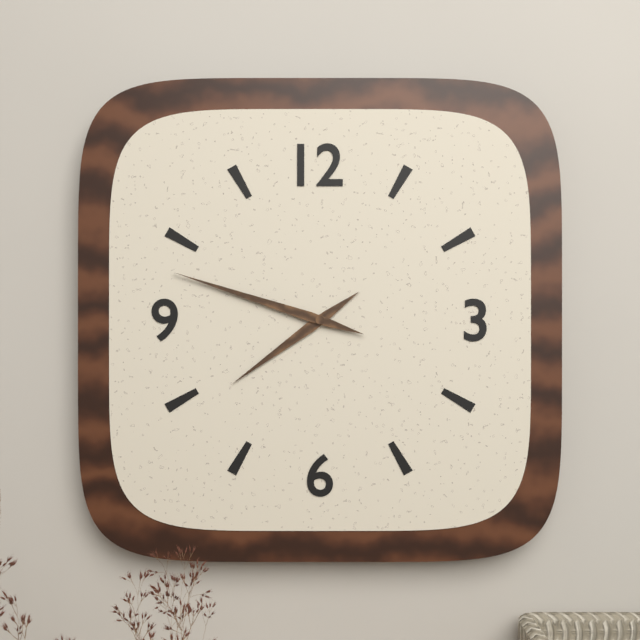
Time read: 7h48
